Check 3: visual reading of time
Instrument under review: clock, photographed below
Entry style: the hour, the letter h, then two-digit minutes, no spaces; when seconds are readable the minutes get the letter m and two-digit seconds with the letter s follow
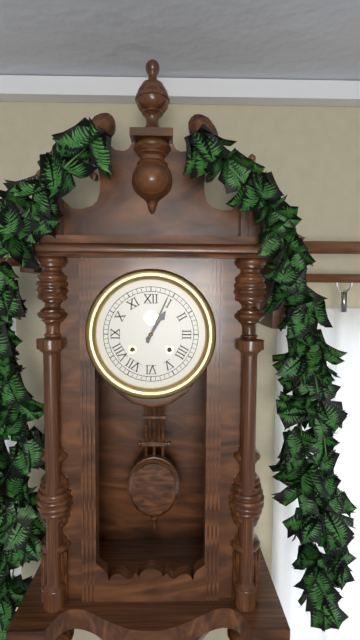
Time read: 1h04
